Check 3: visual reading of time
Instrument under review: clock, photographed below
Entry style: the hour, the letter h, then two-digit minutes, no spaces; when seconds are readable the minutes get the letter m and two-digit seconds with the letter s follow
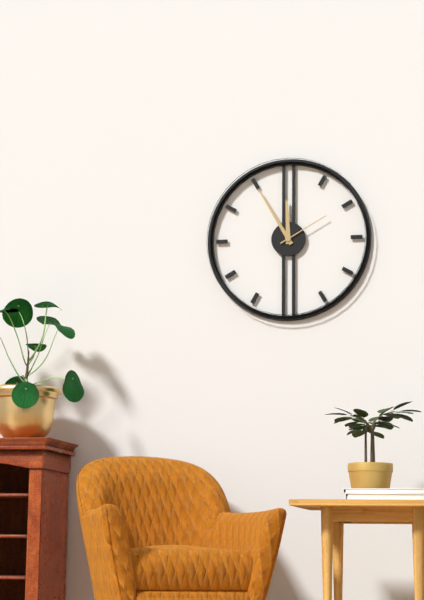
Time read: 11h55m10s
